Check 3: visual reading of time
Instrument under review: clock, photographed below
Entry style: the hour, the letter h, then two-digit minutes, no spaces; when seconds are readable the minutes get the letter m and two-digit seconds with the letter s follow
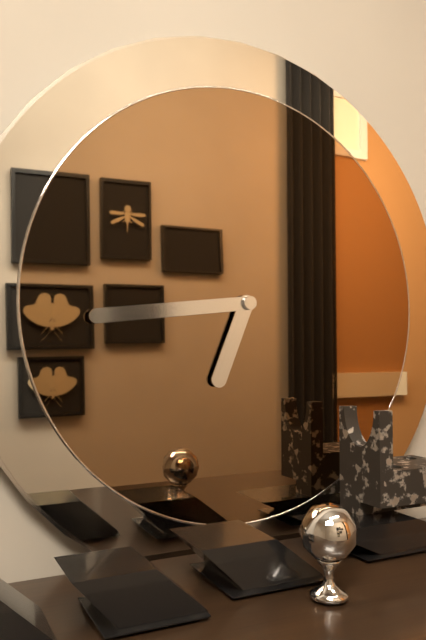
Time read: 6h44
